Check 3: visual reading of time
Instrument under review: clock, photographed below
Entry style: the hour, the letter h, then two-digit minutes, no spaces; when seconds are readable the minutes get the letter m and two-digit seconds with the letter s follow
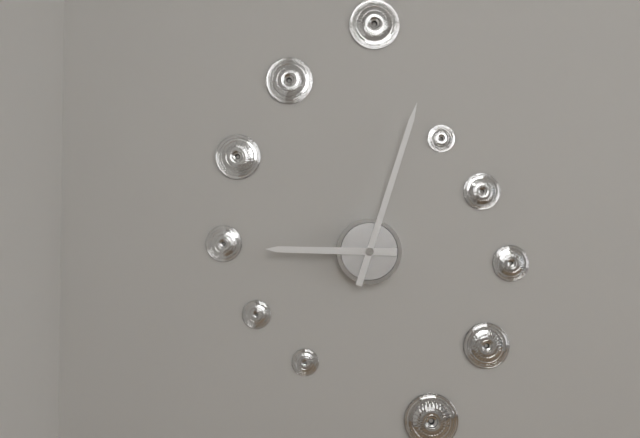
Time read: 9h03
